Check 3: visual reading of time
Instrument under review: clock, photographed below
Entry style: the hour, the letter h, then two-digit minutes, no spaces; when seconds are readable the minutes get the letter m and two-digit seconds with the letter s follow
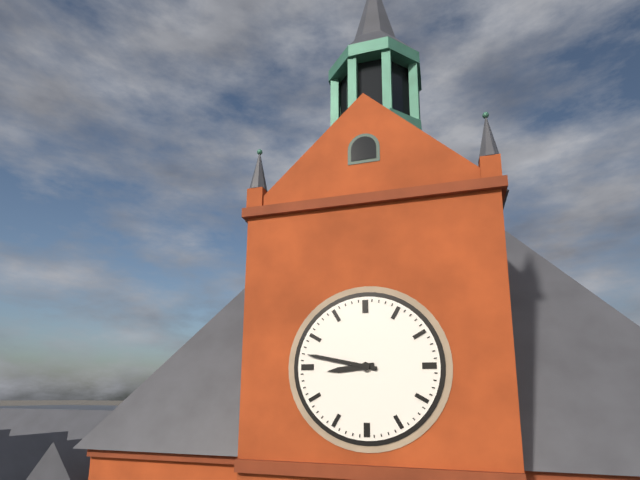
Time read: 8h47
